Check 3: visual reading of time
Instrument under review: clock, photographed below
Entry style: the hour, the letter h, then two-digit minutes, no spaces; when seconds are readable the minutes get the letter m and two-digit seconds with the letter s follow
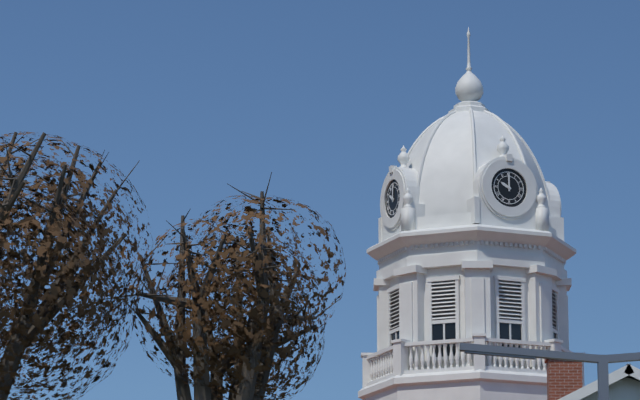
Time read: 10h00
